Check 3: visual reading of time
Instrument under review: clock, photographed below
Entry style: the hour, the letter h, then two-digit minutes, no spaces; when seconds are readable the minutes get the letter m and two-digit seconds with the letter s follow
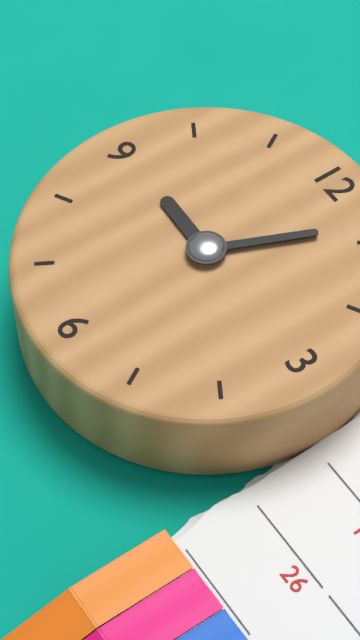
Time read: 9h04
